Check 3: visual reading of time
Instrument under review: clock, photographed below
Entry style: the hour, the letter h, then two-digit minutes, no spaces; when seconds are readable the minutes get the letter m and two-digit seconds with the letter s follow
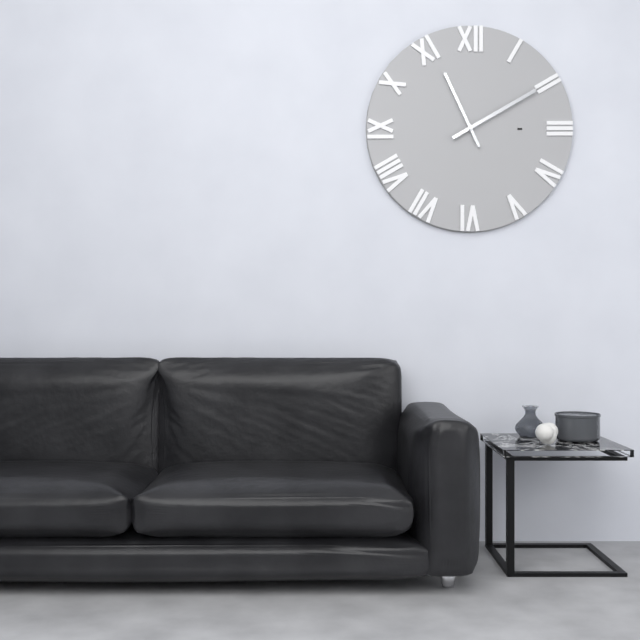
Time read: 11h10
